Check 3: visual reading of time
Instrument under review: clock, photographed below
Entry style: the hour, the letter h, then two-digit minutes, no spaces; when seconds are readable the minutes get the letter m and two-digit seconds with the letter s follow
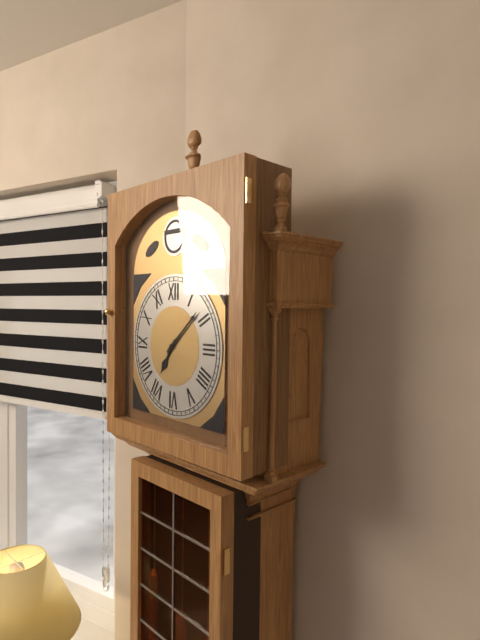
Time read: 7h08
